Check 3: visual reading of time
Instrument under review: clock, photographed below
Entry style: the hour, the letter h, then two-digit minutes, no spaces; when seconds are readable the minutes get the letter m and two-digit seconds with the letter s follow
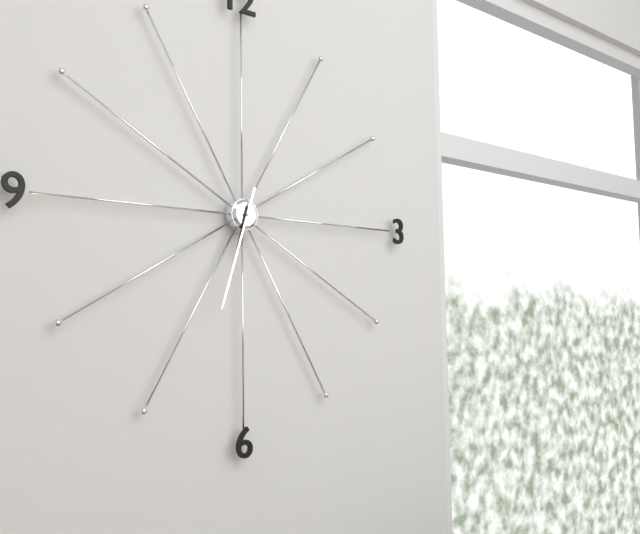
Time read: 6h33
